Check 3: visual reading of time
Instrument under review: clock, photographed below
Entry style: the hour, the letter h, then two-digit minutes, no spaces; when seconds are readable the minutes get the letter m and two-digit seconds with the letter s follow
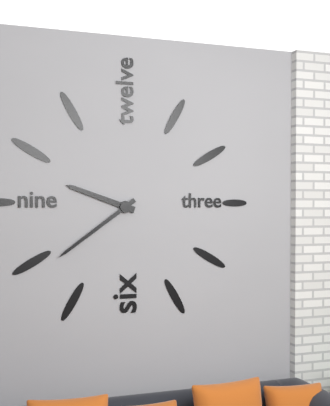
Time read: 9h39
